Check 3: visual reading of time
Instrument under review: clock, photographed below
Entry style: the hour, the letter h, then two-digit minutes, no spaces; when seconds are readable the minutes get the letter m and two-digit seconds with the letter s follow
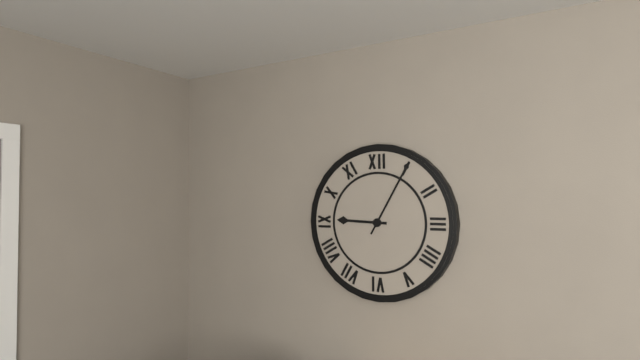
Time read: 9h05
